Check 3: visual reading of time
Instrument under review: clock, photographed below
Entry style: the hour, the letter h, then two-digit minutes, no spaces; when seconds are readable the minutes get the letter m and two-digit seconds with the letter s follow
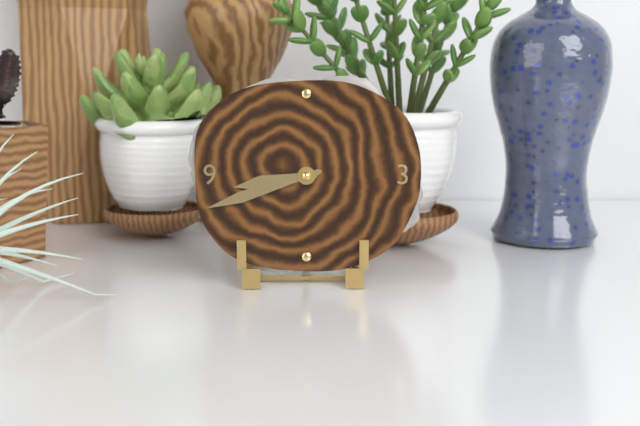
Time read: 8h42
